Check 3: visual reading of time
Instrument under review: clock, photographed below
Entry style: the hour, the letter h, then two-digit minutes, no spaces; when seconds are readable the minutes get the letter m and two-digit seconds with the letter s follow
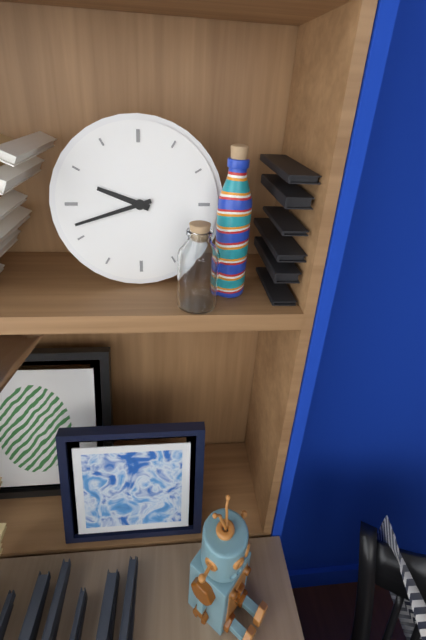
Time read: 9h42
